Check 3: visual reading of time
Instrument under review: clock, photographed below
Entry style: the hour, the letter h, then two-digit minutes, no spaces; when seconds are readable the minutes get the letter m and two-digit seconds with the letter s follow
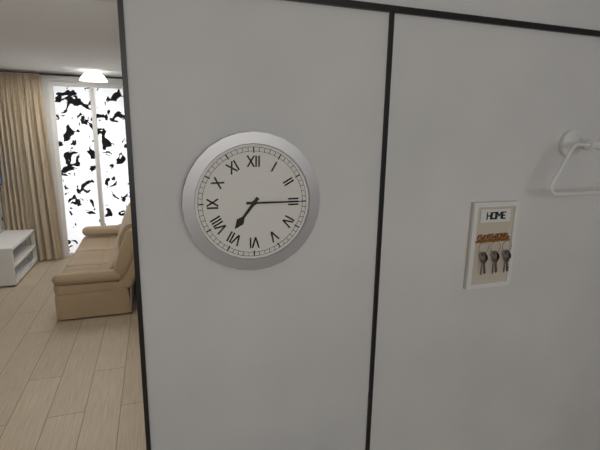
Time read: 7h15
